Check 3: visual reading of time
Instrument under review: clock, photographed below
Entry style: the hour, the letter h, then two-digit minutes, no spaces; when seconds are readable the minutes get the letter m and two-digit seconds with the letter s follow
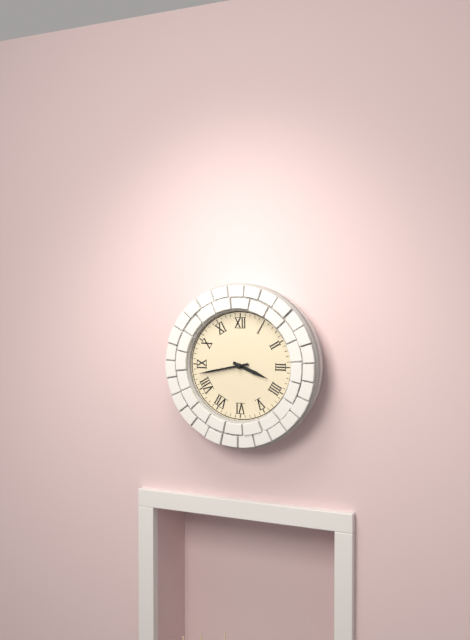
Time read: 3h43
